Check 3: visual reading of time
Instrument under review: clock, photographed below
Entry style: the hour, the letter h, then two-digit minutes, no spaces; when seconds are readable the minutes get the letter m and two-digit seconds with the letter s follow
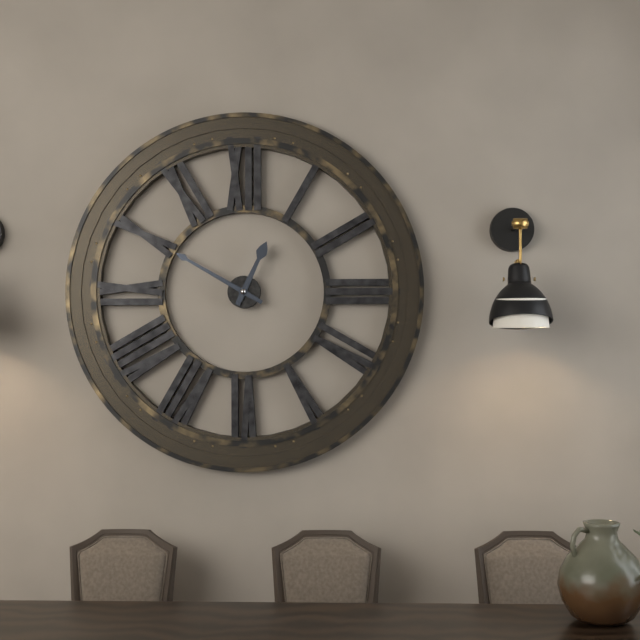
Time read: 12h50
